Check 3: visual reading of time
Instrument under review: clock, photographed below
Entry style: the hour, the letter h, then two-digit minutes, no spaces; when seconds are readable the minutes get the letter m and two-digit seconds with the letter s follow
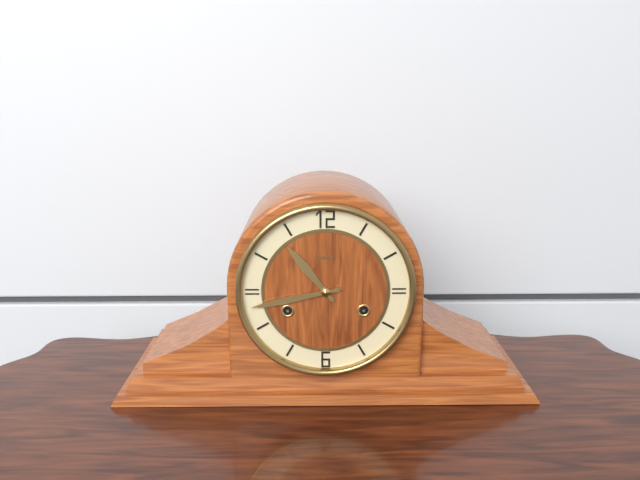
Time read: 10h43
